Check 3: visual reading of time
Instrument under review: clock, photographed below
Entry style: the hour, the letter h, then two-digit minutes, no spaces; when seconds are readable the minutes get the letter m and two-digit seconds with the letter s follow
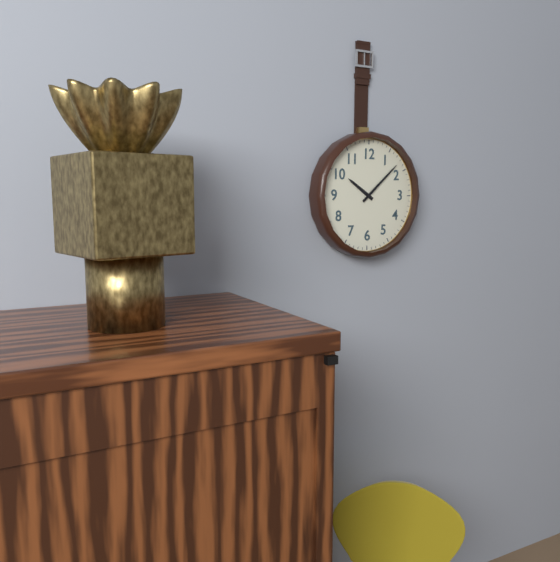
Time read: 10h08
